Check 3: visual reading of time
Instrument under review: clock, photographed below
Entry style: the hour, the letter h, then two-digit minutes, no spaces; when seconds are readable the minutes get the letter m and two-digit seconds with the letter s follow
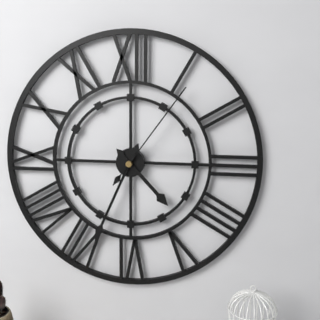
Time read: 4h34m06s
